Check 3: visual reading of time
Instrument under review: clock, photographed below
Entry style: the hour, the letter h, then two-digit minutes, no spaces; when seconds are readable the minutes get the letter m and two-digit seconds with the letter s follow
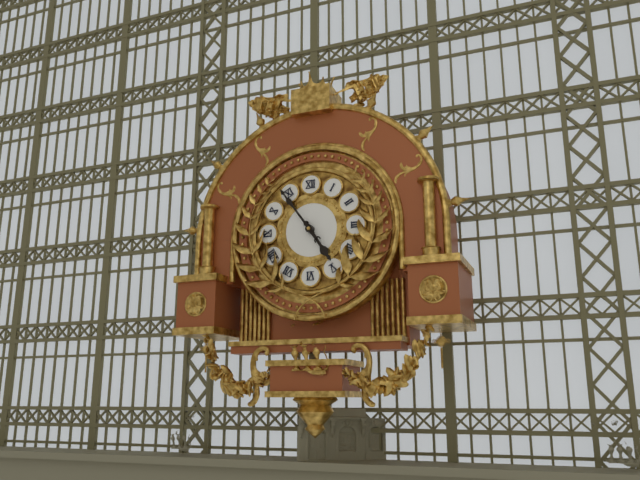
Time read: 4h54
